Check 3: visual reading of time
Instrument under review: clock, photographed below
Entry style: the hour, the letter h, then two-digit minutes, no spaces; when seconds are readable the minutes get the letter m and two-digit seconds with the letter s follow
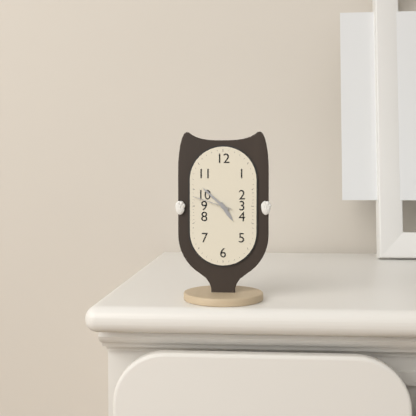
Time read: 4h52
